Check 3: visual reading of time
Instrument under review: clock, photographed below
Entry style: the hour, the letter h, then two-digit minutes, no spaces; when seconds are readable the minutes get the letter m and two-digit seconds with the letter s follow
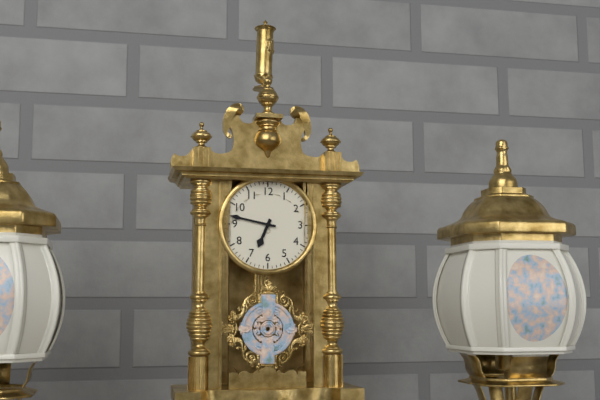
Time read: 6h47
